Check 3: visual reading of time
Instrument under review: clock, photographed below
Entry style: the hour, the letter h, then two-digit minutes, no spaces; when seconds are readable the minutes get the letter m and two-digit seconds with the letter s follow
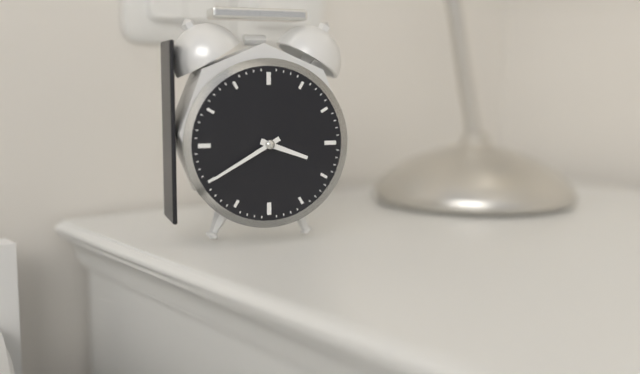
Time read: 3h40
